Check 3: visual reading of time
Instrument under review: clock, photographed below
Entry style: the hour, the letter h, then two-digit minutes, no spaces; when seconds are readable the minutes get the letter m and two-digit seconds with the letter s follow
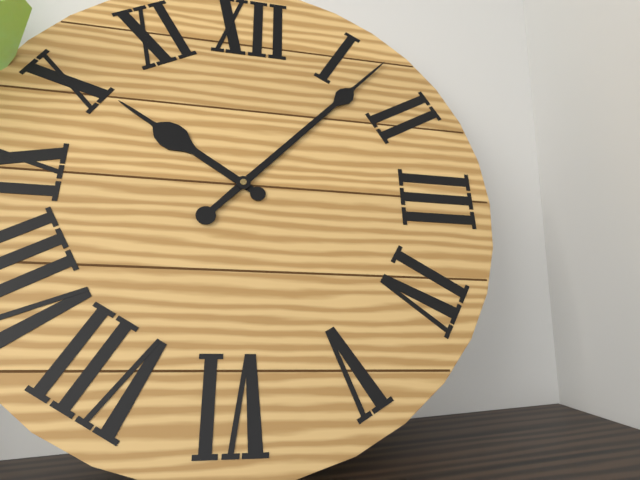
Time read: 10h07
